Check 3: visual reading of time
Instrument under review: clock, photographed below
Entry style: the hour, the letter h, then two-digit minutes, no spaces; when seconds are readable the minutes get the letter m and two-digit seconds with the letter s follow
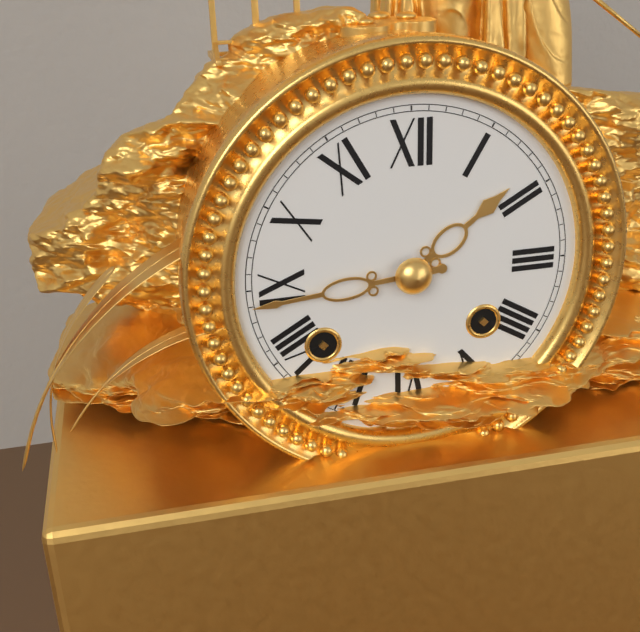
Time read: 1h44
